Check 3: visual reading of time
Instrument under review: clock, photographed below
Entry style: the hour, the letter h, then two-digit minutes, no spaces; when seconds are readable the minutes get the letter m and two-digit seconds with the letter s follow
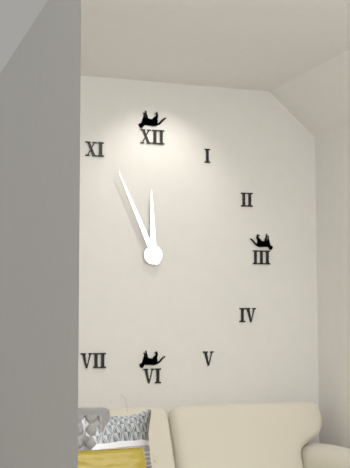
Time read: 11h56
